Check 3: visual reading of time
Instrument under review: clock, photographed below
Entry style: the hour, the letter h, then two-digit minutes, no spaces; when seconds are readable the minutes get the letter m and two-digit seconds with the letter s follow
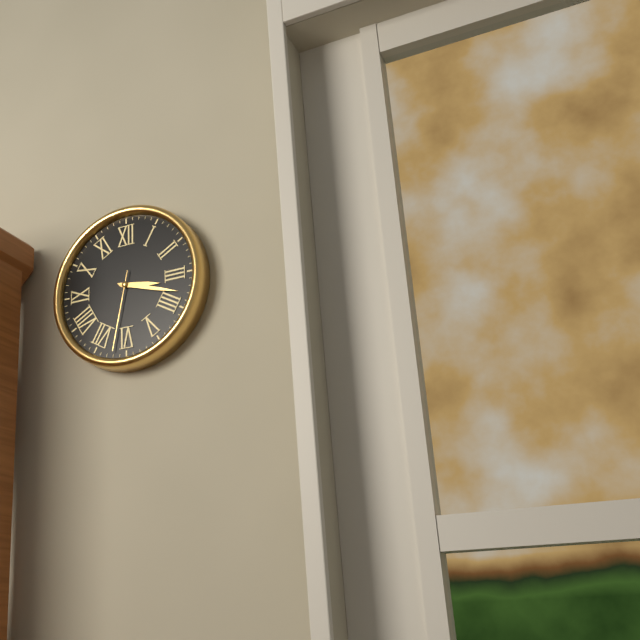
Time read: 3h18m32s
